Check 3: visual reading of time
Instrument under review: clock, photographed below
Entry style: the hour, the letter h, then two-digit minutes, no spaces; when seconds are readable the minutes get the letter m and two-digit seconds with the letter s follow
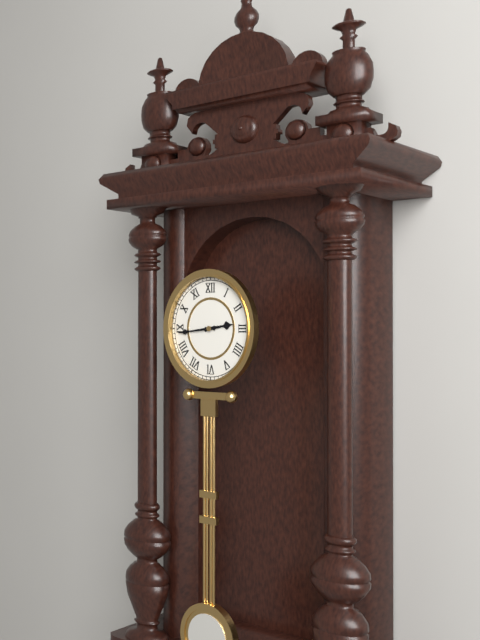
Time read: 2h44
